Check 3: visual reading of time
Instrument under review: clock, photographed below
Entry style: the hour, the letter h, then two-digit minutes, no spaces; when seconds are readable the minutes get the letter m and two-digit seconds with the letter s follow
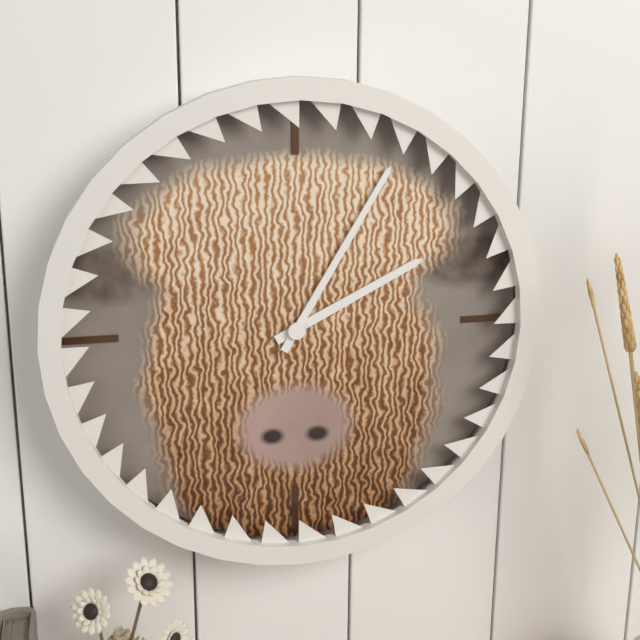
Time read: 2h05
